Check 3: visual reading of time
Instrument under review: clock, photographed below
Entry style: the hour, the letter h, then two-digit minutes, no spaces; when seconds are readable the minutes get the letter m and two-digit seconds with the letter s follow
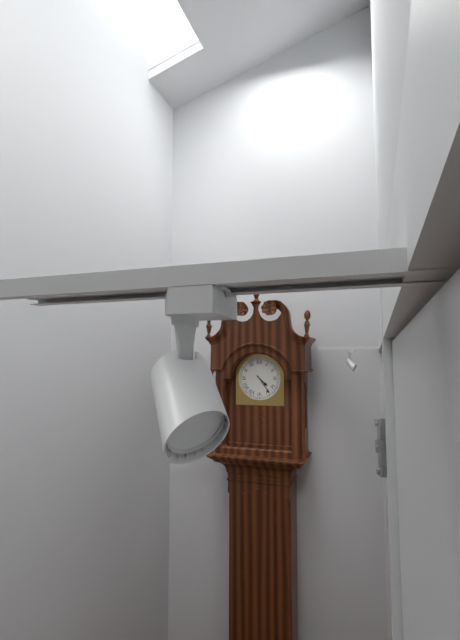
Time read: 4h24
